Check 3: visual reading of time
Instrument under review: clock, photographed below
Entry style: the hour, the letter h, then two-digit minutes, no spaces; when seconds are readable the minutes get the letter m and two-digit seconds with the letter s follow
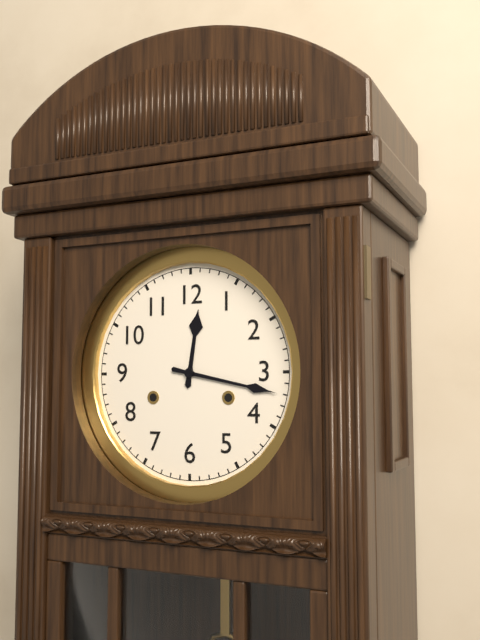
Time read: 12h17
